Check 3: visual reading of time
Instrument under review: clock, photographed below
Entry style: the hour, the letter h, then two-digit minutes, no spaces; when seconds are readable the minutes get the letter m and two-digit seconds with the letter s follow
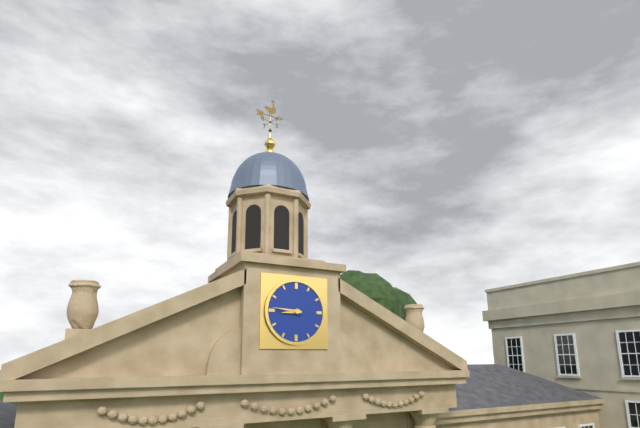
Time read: 8h46
